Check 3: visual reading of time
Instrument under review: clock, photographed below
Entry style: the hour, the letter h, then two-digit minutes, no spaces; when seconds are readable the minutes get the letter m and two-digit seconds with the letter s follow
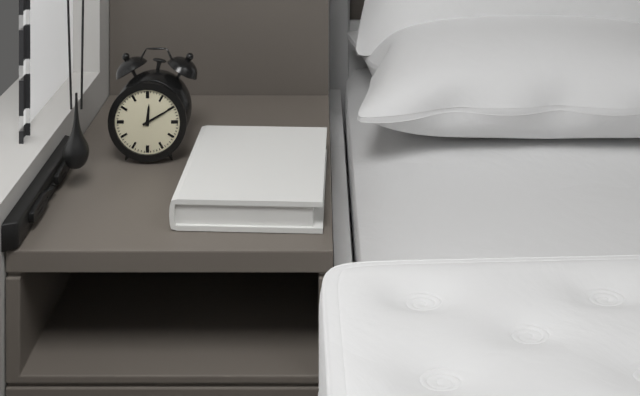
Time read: 12h10
